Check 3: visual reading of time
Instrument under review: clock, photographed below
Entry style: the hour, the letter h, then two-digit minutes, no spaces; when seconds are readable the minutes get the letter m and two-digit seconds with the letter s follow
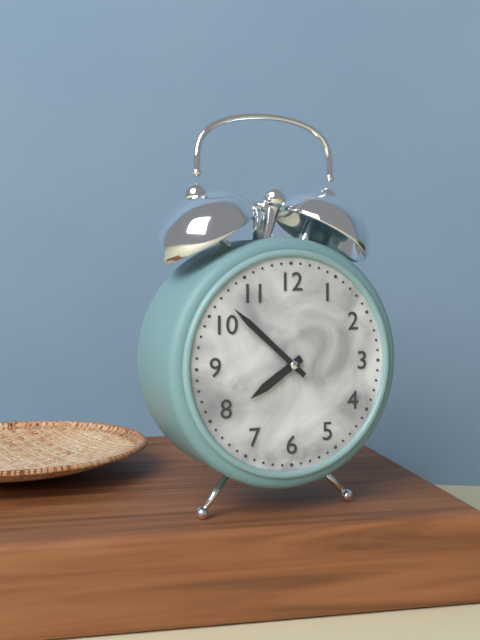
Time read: 7h52
